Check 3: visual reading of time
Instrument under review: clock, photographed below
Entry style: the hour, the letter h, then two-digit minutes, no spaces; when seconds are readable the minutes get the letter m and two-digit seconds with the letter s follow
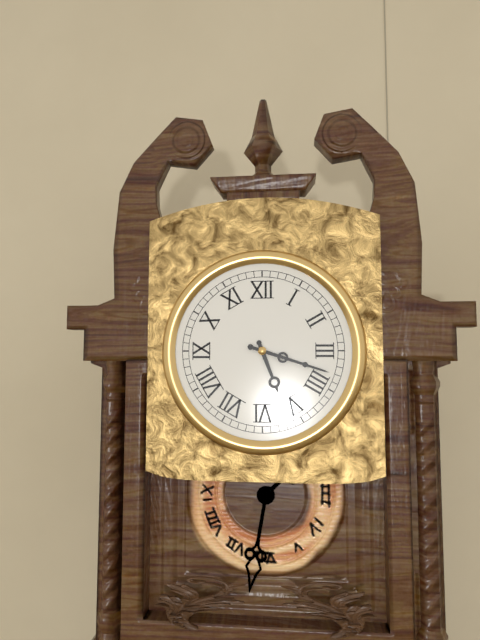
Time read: 5h18
